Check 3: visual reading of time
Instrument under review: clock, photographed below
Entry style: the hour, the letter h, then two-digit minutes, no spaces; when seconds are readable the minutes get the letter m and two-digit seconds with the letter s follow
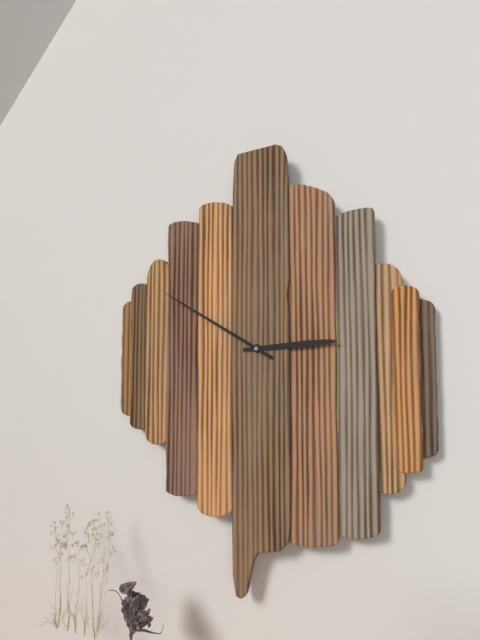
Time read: 2h50
